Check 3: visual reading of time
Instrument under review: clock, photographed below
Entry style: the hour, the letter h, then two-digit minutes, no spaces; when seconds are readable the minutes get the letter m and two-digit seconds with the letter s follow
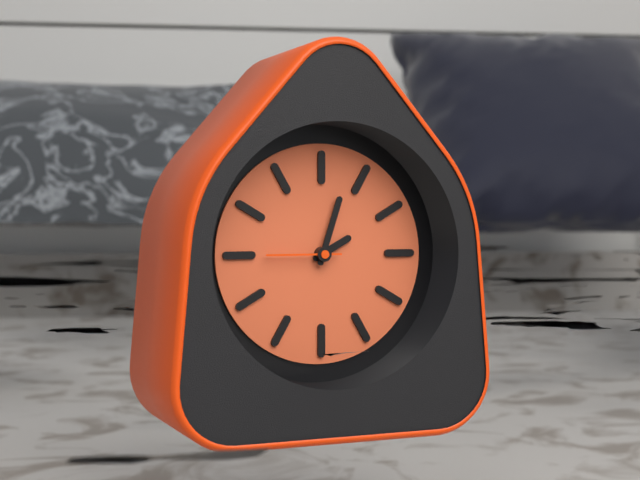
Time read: 2h03m45s
